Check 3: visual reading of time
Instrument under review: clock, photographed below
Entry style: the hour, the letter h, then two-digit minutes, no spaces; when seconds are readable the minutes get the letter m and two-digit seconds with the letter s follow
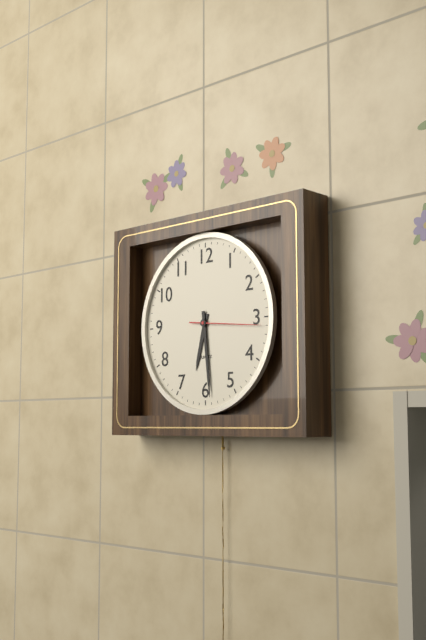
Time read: 6h29m16s
